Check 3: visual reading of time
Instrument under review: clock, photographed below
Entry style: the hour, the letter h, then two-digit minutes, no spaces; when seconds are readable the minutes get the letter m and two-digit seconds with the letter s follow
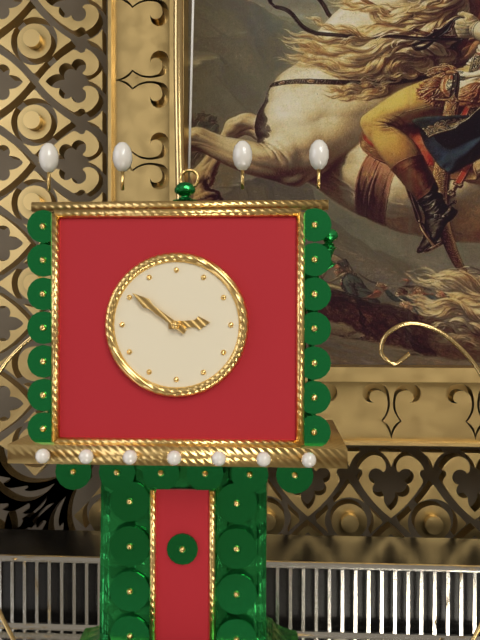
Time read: 2h51
